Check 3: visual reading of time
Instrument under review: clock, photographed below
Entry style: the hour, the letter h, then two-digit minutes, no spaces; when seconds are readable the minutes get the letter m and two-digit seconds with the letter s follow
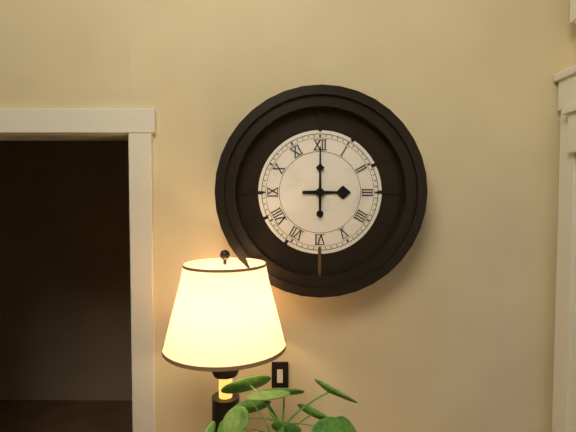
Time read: 3h00
